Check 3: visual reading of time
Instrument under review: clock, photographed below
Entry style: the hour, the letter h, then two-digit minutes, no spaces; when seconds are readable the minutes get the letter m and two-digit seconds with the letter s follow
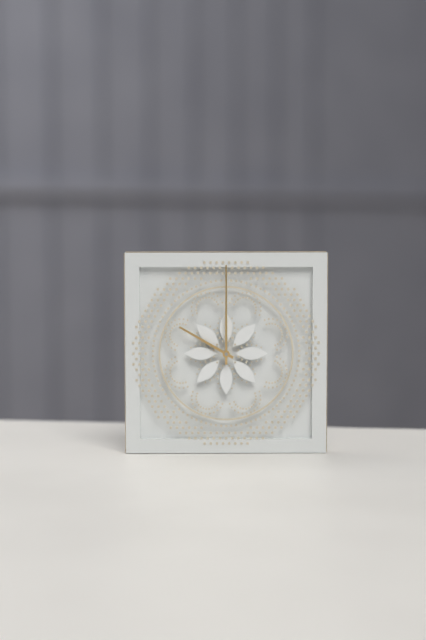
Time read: 10h00
